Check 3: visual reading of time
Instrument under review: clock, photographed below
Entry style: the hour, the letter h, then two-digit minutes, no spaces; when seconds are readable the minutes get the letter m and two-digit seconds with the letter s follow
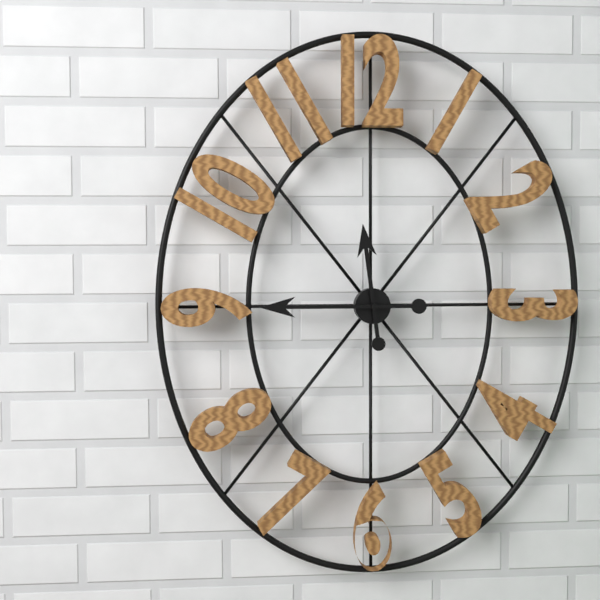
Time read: 11h45
